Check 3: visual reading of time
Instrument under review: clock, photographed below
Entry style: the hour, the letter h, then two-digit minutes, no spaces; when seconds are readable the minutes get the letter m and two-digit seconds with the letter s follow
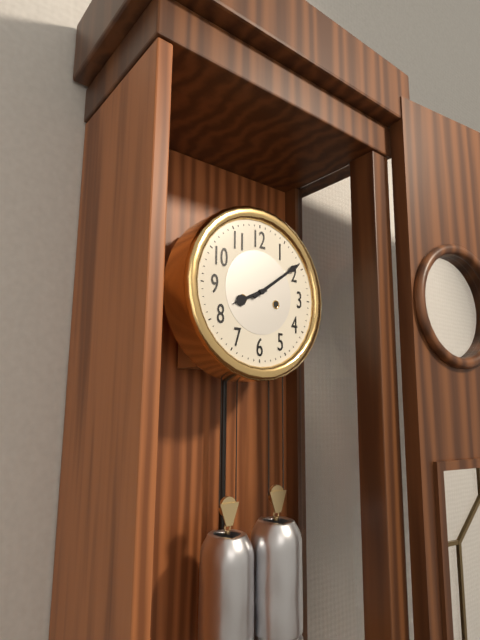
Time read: 8h09
